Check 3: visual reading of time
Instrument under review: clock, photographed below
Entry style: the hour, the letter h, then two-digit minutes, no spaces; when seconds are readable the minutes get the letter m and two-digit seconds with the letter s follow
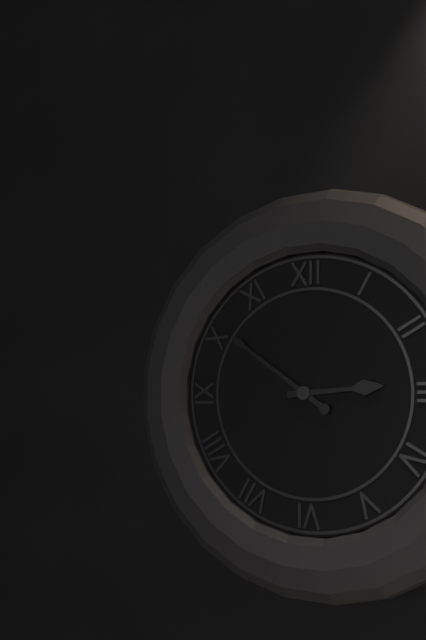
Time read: 2h51
